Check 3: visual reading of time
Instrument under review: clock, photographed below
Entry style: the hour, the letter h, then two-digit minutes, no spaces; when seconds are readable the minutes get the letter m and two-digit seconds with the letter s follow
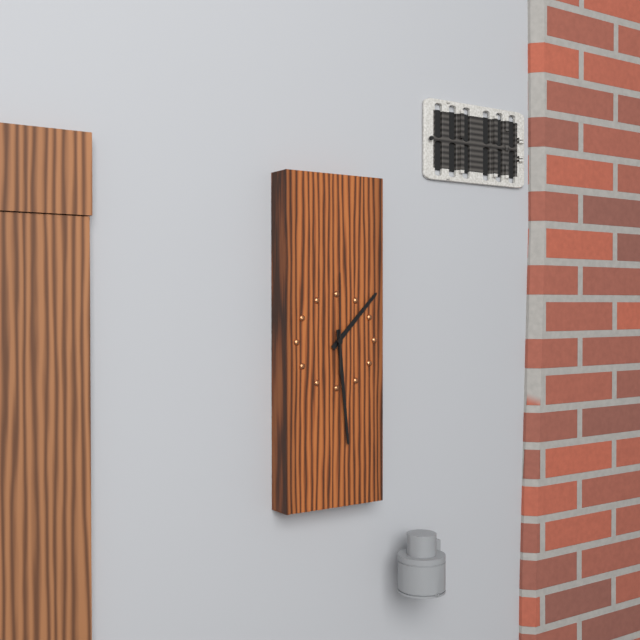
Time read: 1h29m00s
